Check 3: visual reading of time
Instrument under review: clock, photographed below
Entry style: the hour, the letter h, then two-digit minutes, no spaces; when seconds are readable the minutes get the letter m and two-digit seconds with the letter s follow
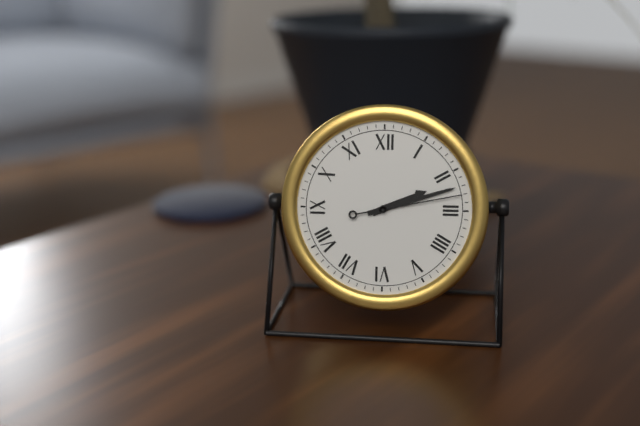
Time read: 2h12m13s
